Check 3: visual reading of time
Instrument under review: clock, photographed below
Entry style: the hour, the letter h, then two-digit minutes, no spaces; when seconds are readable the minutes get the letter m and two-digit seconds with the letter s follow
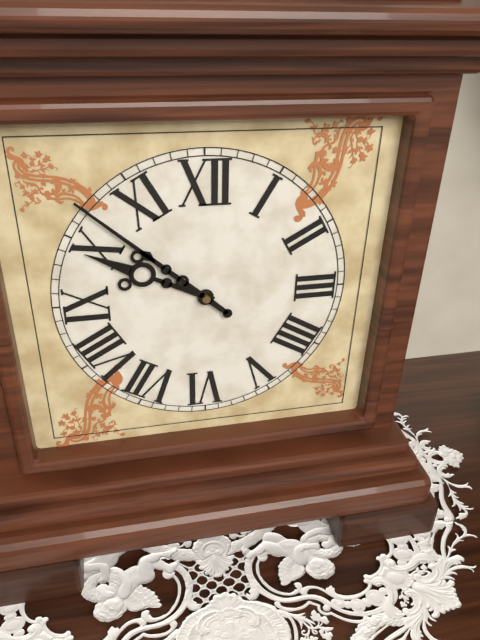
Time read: 9h52
